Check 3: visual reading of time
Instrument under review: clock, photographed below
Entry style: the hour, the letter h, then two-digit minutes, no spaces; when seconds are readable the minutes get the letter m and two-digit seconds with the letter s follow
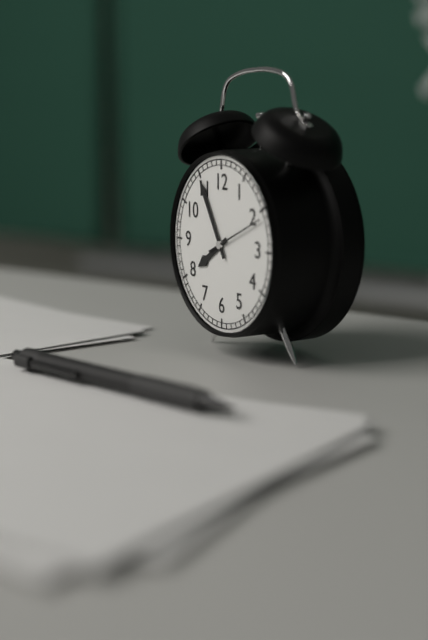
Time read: 7h55
